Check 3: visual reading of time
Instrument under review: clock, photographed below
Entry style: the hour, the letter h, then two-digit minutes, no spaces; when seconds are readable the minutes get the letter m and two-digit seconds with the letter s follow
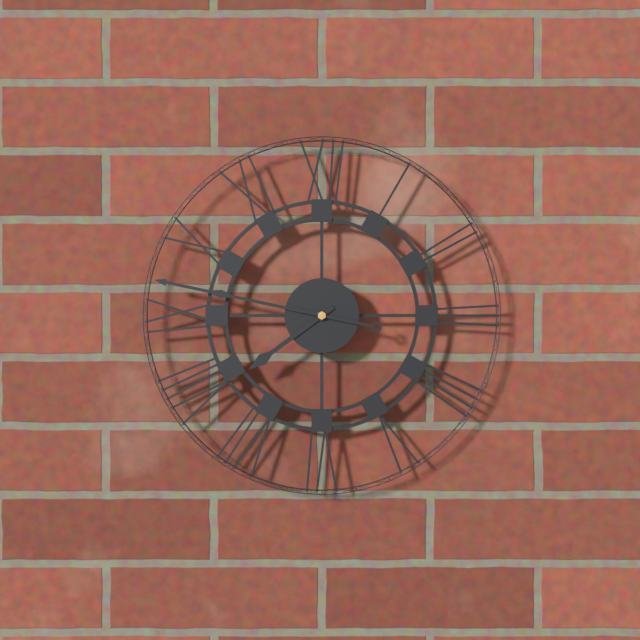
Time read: 7h47
